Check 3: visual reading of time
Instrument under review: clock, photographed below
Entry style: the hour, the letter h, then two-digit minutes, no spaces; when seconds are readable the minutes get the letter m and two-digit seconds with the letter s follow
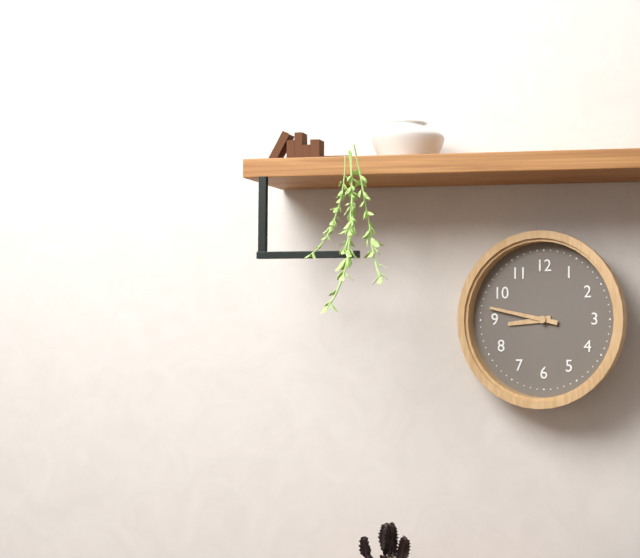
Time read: 8h47
